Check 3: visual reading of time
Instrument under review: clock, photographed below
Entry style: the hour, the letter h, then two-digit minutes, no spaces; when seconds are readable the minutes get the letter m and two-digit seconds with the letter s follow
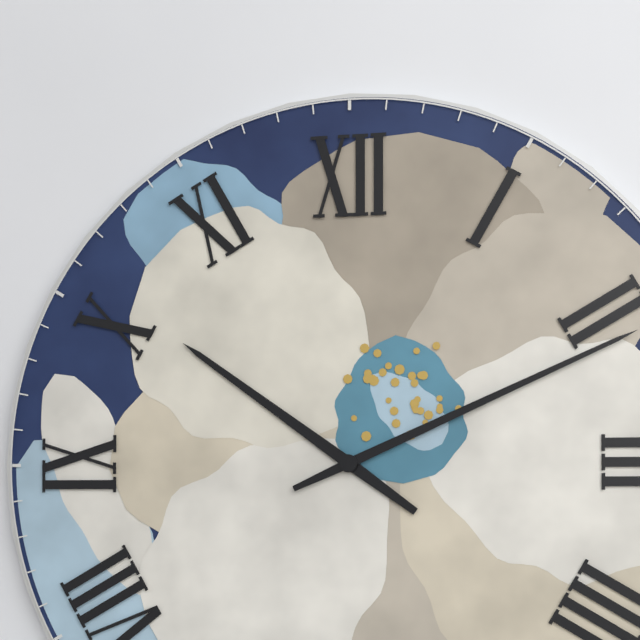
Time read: 10h11
